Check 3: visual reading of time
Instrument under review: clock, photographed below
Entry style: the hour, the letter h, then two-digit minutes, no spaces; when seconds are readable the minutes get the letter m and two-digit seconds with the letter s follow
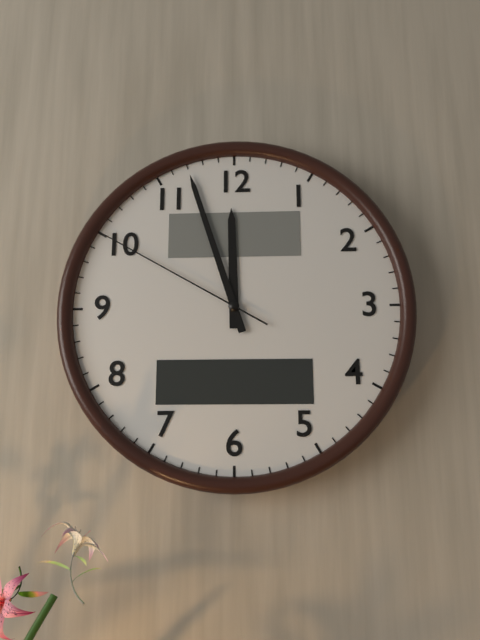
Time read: 11h57m50s
